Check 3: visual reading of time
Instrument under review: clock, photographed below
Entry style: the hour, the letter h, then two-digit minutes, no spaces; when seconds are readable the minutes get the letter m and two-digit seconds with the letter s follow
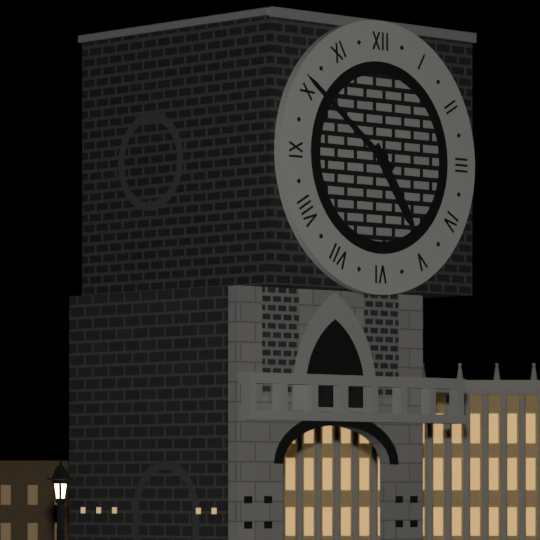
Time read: 4h51
